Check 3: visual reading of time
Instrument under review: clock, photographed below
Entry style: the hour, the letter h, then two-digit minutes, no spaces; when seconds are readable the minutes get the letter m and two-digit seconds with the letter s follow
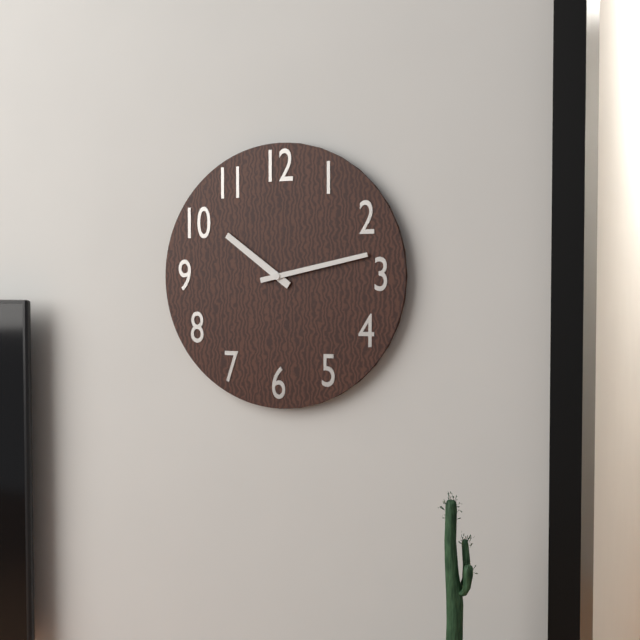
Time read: 10h13
